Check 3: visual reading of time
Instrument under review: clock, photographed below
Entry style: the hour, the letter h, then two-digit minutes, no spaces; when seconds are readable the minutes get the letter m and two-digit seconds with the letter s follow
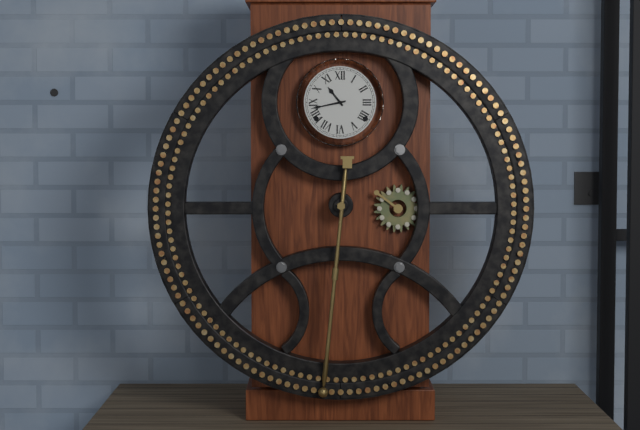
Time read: 10h43
